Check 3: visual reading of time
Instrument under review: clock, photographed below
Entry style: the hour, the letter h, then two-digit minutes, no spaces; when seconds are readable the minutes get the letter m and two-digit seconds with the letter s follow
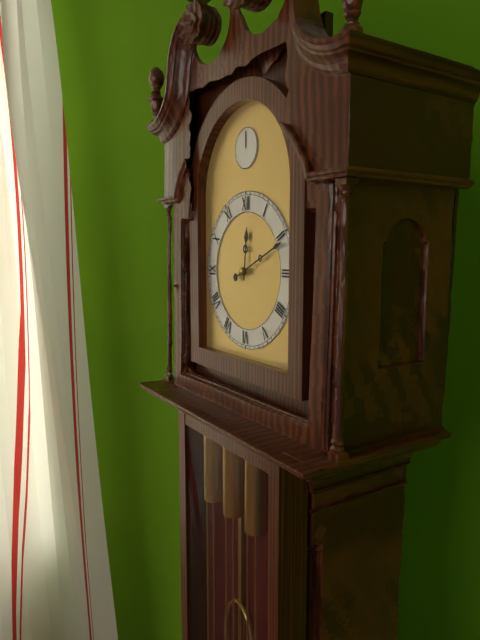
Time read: 12h11
